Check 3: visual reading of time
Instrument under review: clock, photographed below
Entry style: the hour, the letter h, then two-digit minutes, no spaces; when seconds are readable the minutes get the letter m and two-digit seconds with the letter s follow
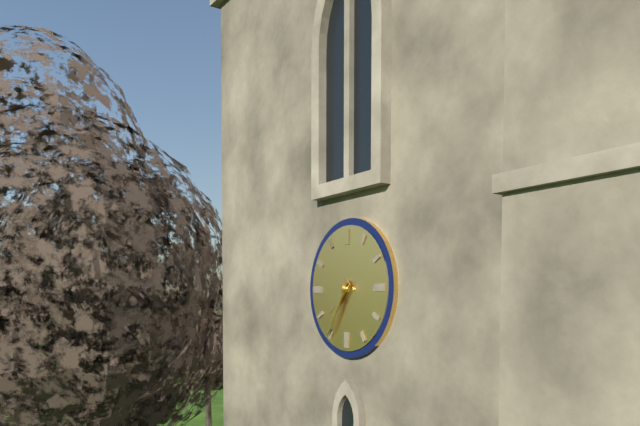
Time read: 7h35
